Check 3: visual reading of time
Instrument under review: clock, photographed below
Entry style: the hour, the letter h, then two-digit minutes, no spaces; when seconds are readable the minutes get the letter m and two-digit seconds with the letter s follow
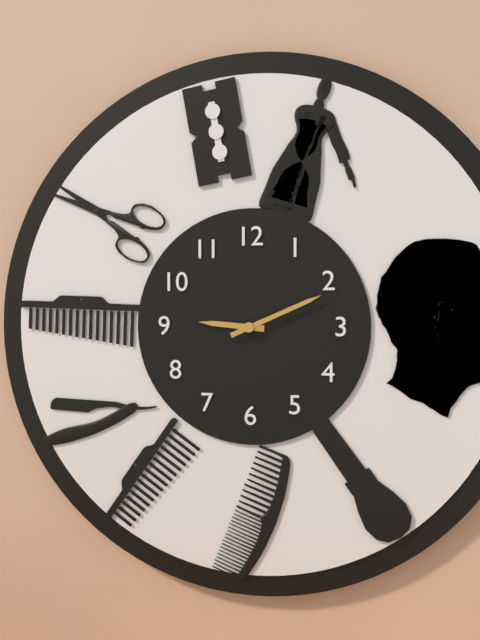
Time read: 9h11
